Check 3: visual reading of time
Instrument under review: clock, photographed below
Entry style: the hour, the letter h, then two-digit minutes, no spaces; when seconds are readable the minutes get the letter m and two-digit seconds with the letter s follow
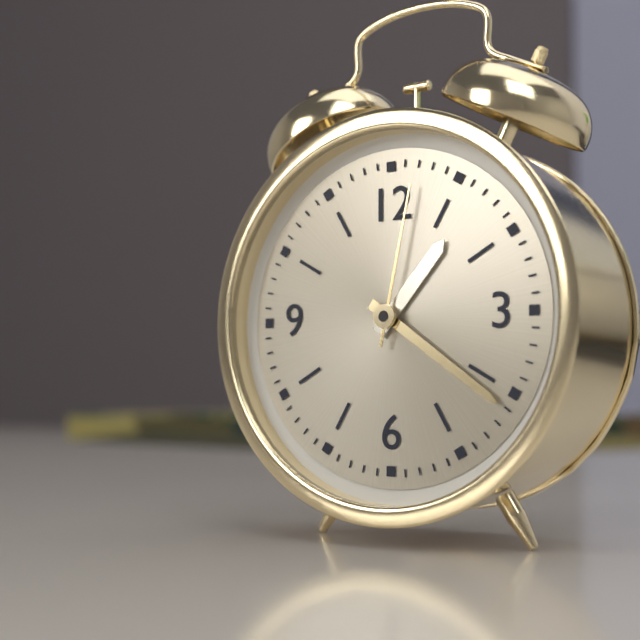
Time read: 1h21m02s
